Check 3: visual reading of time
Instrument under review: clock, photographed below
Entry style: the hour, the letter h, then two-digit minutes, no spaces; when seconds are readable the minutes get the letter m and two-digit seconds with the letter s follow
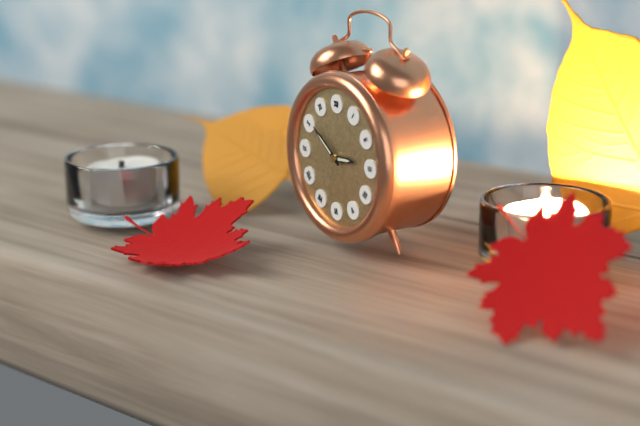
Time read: 2h51
